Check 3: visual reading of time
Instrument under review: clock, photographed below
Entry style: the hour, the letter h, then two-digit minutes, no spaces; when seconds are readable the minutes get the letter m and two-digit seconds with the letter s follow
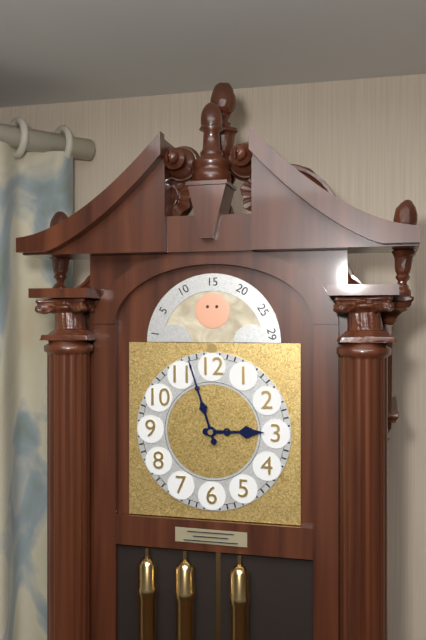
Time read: 2h57
